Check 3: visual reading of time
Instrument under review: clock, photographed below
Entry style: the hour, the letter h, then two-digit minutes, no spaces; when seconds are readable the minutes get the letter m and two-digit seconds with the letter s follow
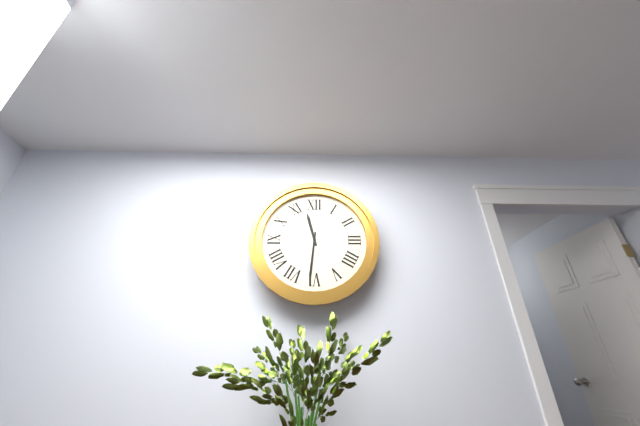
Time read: 11h31
